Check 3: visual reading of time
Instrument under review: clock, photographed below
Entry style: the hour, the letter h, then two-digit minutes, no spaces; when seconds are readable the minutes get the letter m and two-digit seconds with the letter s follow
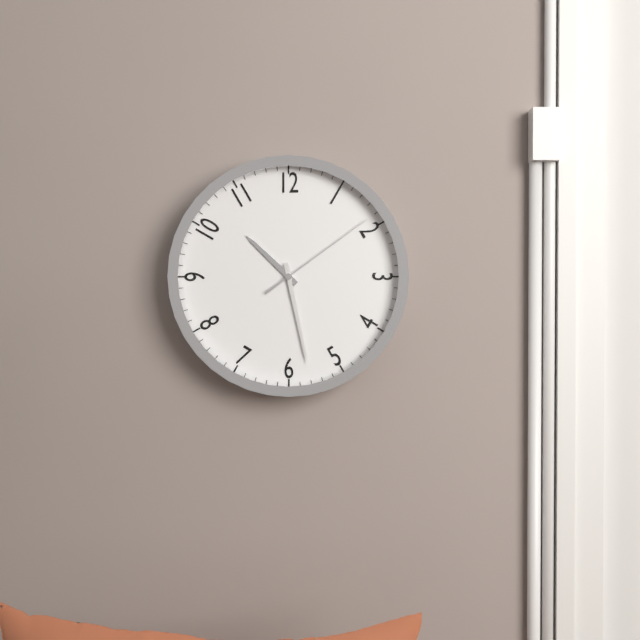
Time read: 10h28m09s
